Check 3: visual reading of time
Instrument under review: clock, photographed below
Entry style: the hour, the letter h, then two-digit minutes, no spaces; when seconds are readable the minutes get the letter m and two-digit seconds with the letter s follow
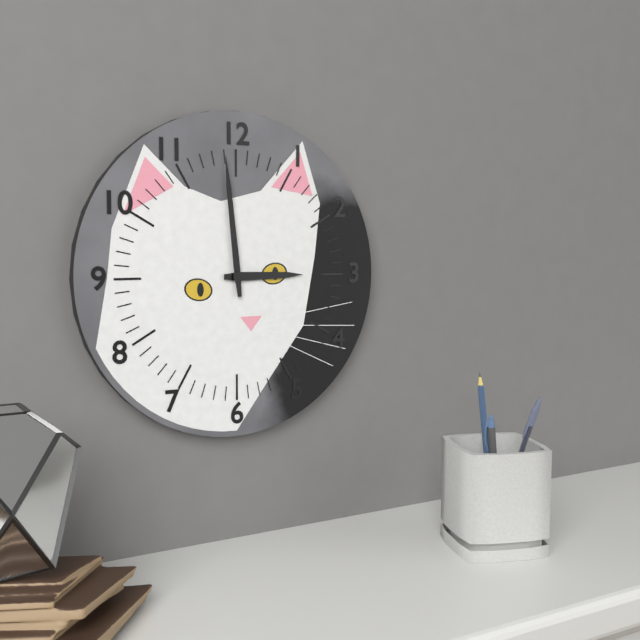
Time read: 2h59
